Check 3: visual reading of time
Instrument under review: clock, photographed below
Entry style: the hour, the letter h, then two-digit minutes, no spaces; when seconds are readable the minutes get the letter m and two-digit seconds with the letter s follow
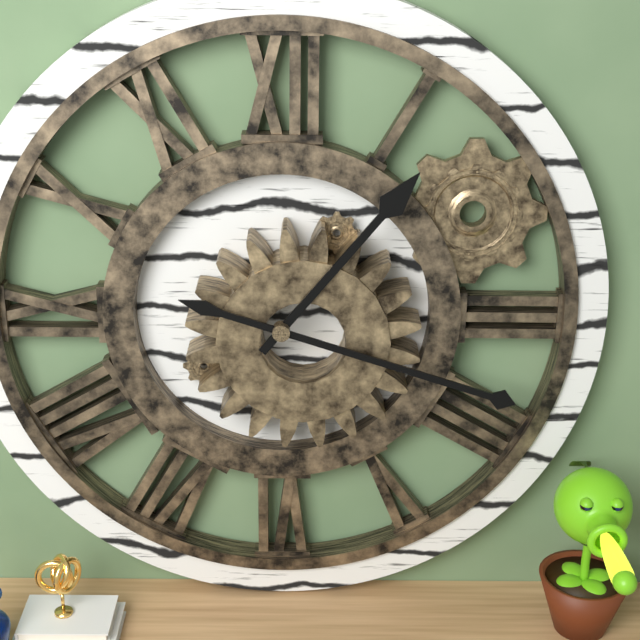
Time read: 1h18
